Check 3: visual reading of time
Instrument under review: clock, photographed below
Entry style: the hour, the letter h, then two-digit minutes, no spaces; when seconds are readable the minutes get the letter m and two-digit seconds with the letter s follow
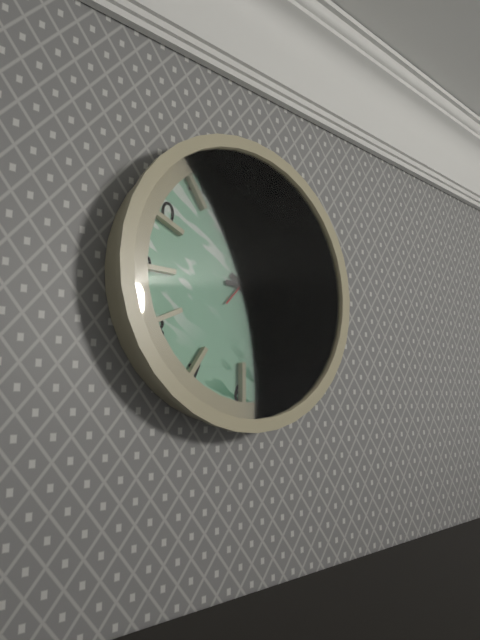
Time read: 4h15m07s
